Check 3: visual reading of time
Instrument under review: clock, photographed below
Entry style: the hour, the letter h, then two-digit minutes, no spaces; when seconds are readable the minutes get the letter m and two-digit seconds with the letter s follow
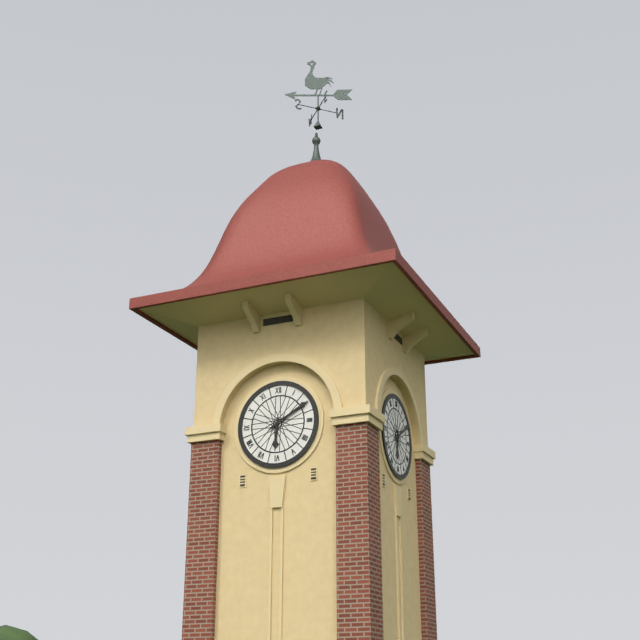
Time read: 6h10
